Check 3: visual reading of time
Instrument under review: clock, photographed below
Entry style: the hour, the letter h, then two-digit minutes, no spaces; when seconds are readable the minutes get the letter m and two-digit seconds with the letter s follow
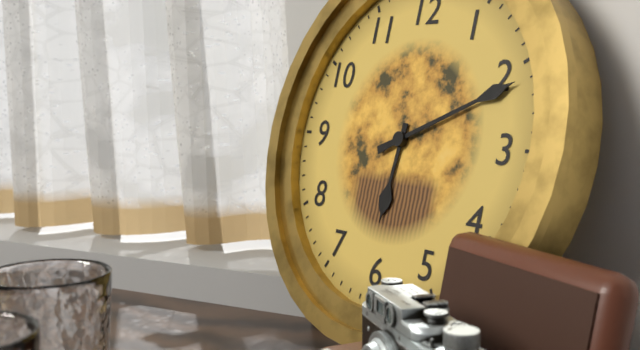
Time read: 6h11
